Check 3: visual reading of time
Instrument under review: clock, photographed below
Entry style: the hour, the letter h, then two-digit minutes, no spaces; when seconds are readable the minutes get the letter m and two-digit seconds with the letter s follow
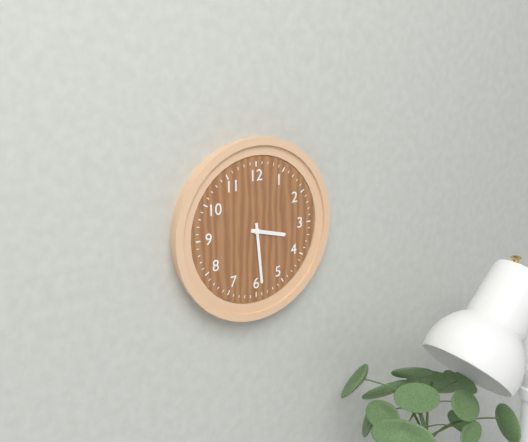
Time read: 3h29
